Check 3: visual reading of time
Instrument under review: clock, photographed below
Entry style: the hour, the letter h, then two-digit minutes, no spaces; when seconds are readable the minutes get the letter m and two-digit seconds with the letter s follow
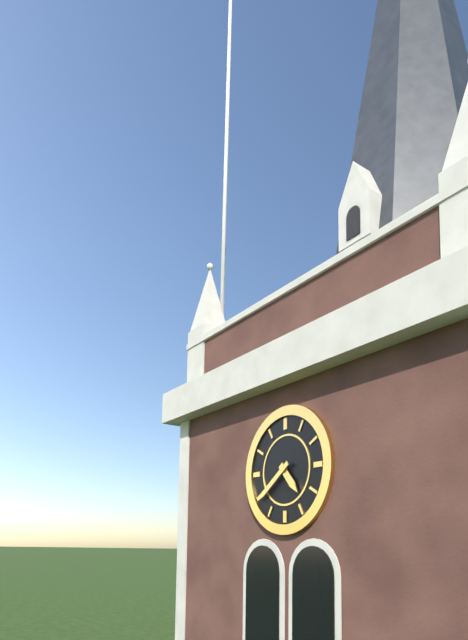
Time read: 4h39
